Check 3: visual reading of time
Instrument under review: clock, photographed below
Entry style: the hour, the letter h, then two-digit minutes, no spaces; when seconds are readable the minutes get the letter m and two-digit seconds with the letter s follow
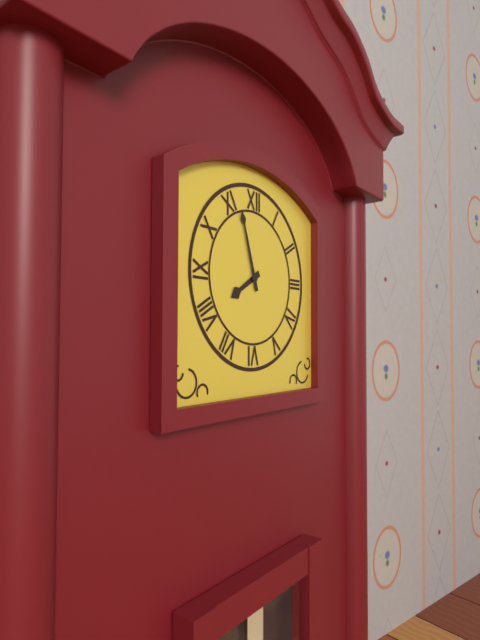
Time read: 7h57
